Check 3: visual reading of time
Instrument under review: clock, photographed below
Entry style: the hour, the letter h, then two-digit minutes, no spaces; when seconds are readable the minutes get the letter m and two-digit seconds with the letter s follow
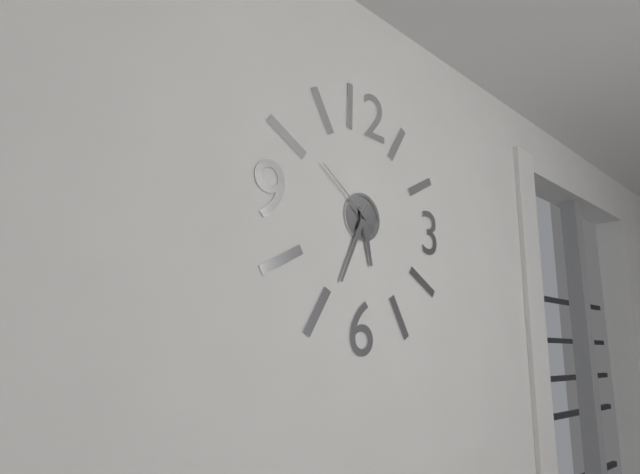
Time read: 5h34m51s
